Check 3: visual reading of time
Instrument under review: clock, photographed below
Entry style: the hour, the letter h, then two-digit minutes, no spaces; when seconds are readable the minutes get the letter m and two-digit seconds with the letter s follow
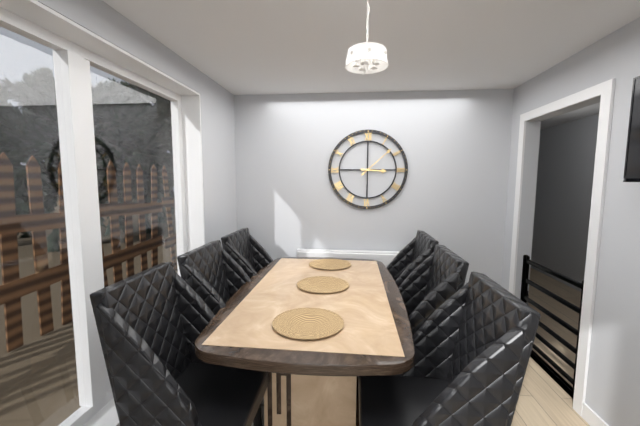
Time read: 3h08
